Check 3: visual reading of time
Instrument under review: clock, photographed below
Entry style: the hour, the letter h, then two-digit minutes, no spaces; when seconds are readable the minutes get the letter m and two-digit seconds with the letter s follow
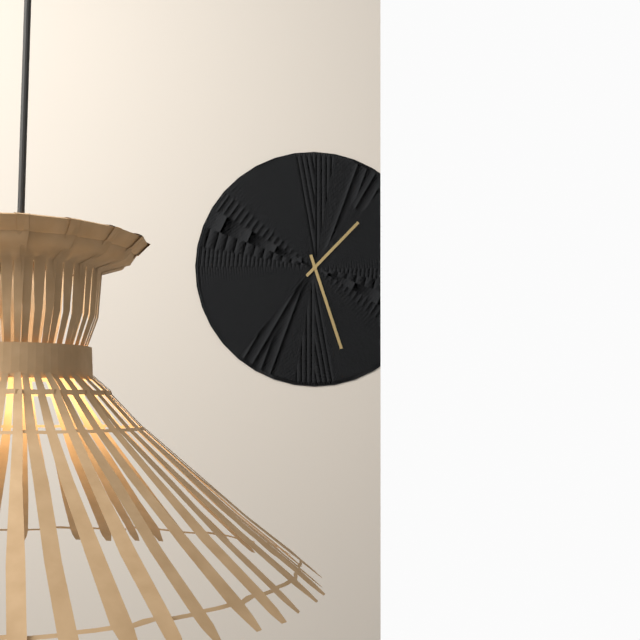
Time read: 1h27
